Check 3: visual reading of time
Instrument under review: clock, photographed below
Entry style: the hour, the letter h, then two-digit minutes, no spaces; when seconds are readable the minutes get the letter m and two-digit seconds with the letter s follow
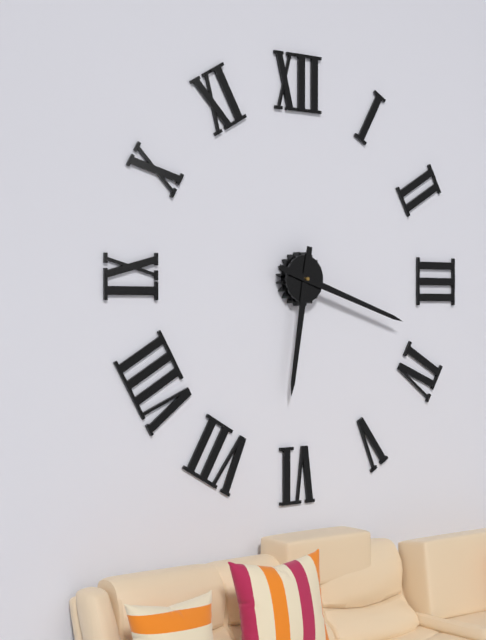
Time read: 6h18
